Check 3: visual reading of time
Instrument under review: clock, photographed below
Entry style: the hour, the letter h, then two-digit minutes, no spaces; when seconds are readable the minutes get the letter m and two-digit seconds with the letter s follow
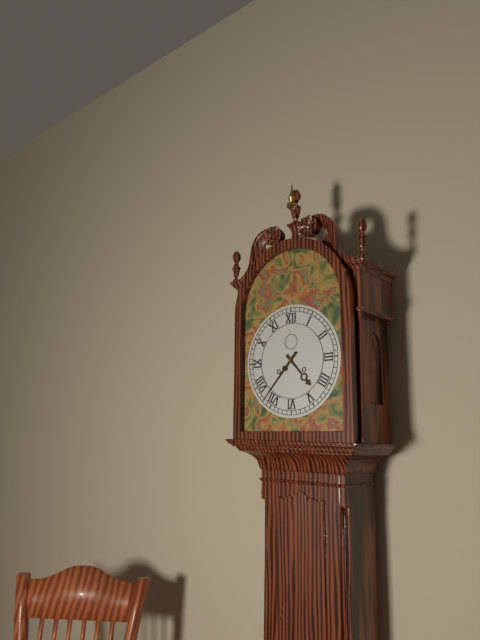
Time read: 4h37
